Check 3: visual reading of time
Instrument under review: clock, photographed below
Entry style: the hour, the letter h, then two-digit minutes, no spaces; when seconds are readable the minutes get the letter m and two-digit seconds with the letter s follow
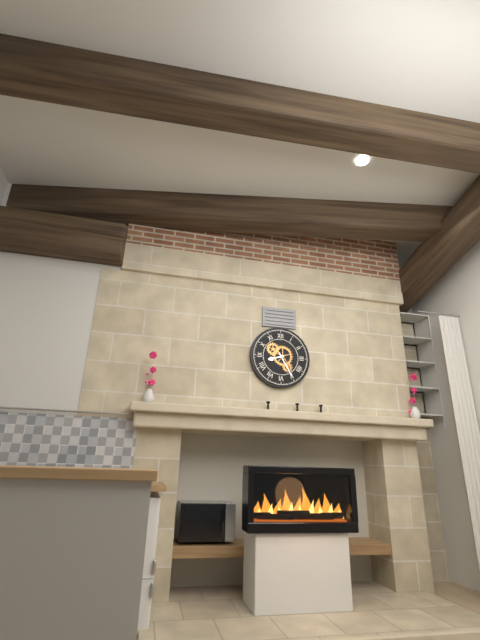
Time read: 8h25
